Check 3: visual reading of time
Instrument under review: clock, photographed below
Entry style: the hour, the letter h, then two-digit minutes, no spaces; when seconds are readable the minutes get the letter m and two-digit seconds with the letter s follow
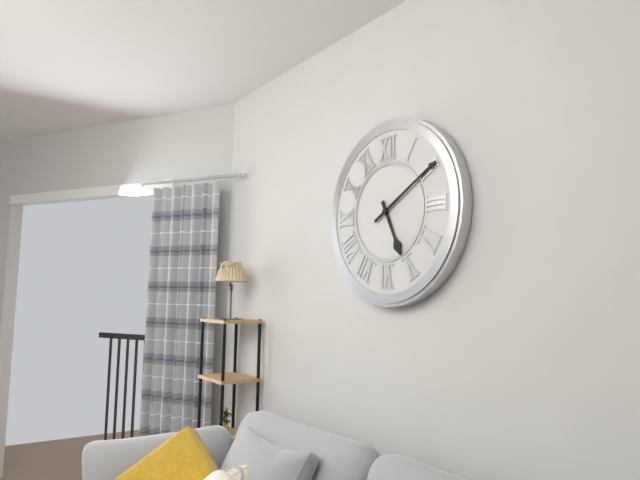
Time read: 5h10
